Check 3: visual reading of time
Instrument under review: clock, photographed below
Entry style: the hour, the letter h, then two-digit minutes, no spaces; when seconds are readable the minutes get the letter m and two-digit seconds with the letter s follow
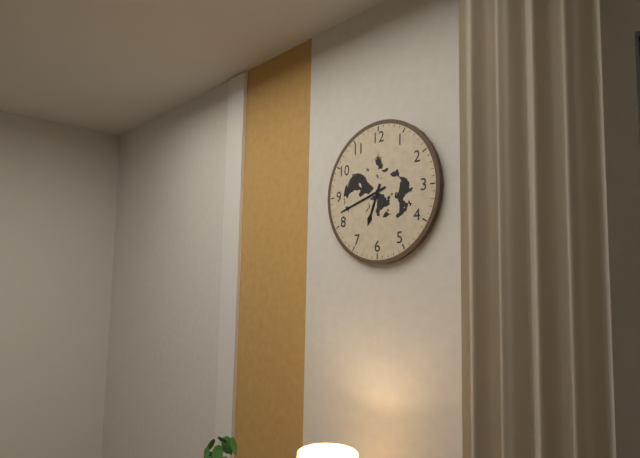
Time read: 6h42
